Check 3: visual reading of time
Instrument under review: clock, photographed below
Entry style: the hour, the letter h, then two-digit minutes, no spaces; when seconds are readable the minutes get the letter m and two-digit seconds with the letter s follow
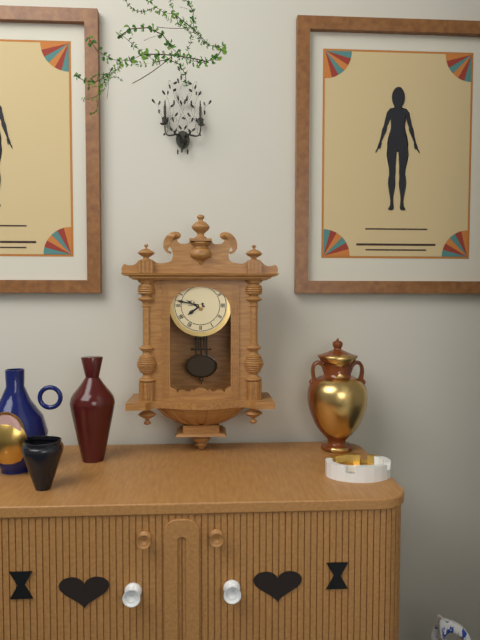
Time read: 7h47
